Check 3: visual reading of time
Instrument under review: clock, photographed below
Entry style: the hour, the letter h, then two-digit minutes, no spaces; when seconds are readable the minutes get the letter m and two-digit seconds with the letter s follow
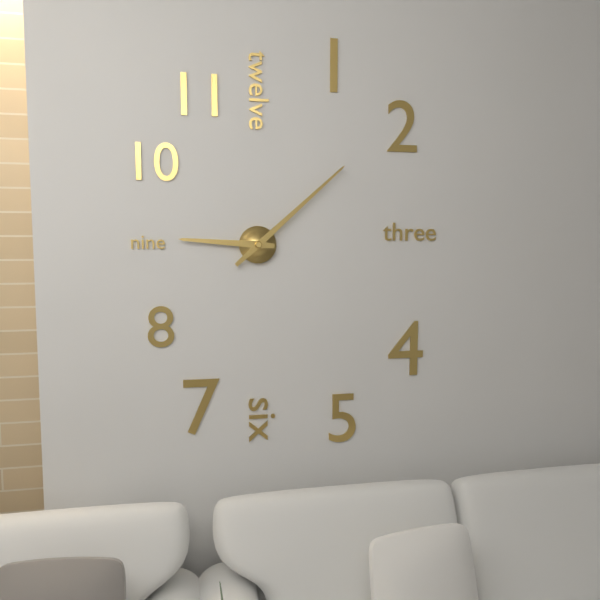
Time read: 9h08
